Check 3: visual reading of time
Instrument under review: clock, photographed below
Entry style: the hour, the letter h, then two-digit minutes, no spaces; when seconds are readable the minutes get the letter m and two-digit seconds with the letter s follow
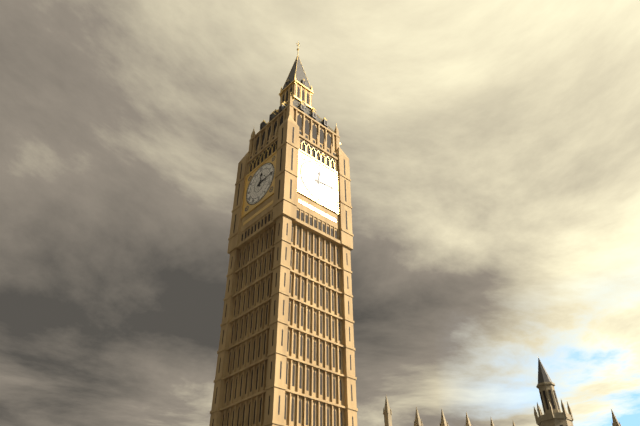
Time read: 12h14
